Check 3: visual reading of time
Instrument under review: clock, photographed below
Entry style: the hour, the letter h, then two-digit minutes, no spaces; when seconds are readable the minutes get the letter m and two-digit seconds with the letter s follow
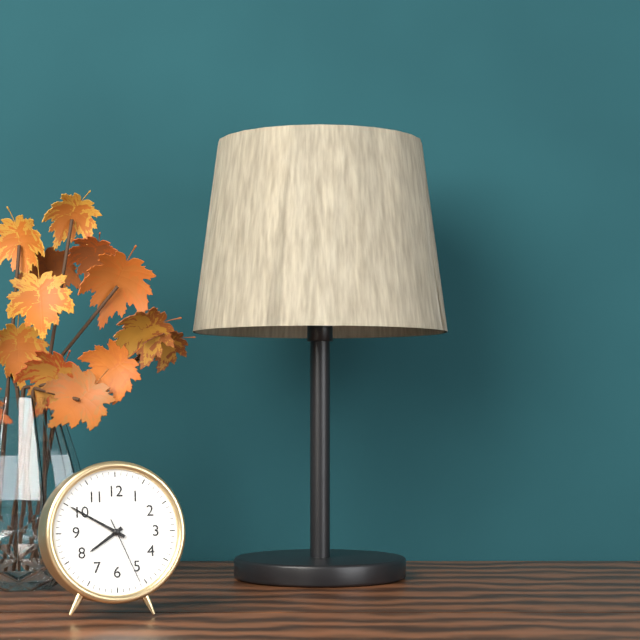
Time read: 7h50m26s
